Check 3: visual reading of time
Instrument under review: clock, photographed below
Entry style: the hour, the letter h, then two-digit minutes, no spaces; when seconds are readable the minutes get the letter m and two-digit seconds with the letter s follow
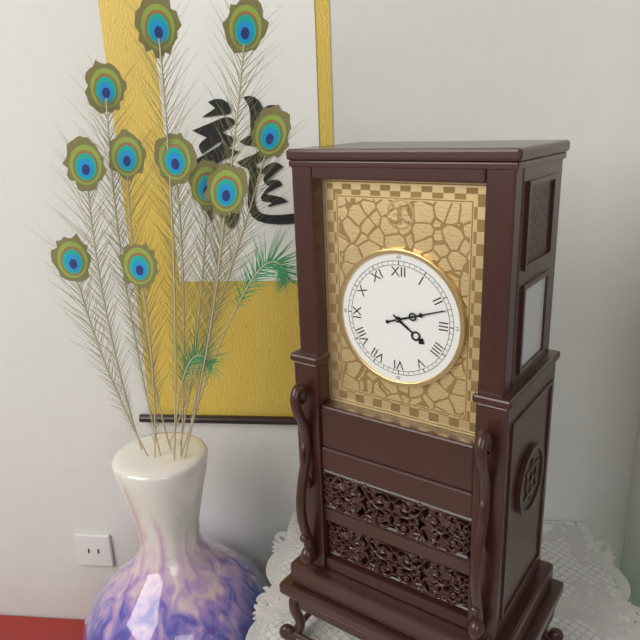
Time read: 4h12
